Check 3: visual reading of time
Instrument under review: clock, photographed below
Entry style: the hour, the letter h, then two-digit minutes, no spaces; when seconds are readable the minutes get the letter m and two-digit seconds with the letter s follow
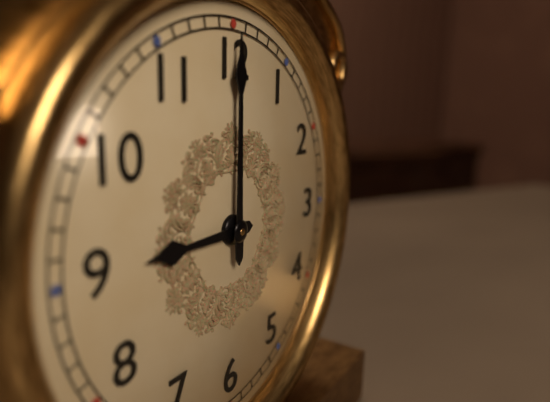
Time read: 9h00
